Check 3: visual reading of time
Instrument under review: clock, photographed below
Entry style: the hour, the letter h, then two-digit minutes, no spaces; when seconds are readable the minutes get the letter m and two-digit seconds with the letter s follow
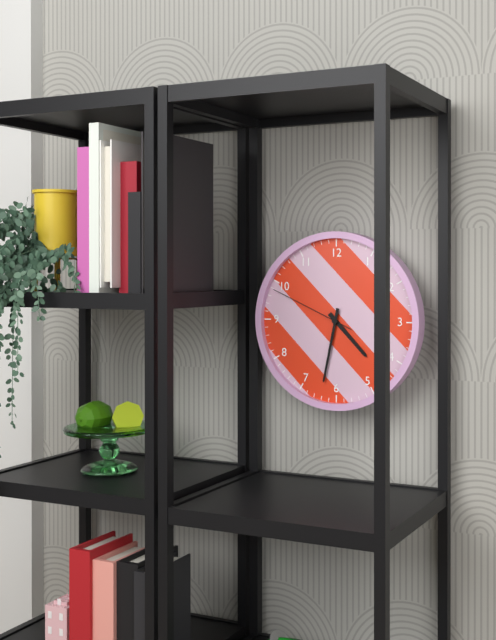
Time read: 4h32m49s
